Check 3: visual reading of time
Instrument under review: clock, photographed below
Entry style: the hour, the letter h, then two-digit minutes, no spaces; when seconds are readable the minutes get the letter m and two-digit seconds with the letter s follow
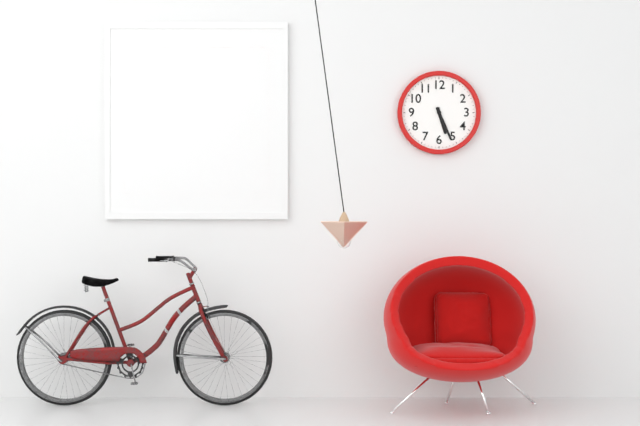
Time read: 5h26
